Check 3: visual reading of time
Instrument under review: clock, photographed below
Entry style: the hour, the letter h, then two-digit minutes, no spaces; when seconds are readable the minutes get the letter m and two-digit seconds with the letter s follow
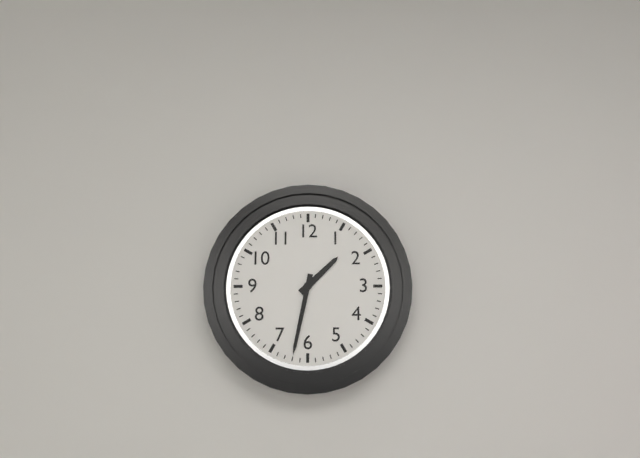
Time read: 1h32
